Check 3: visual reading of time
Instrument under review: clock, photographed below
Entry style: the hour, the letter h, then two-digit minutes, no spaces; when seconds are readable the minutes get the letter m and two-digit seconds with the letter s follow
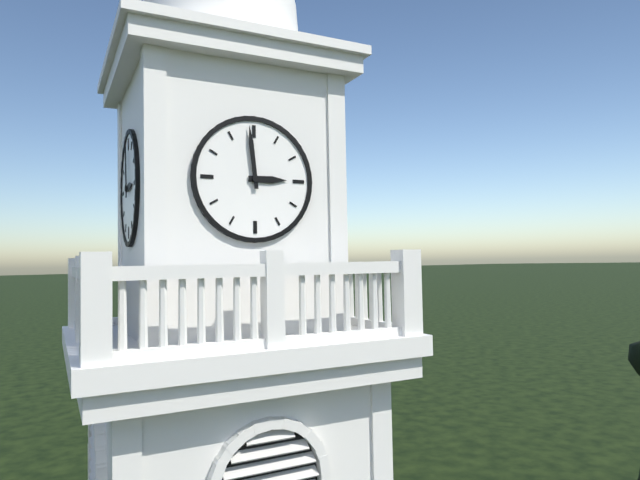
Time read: 2h59
